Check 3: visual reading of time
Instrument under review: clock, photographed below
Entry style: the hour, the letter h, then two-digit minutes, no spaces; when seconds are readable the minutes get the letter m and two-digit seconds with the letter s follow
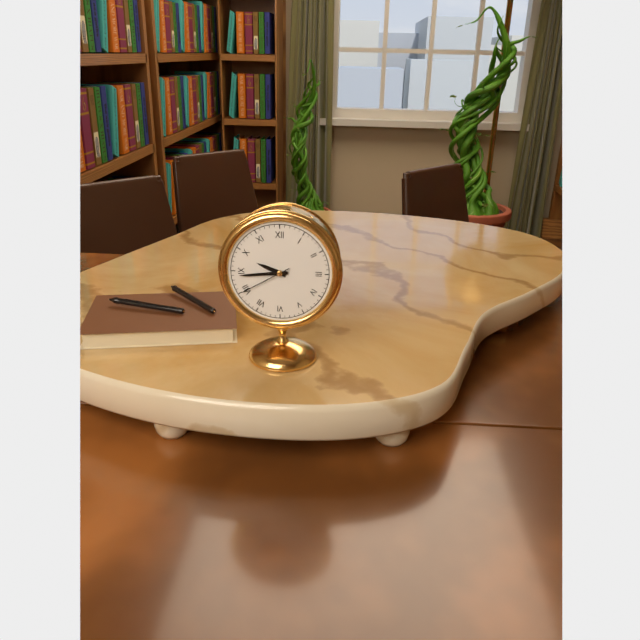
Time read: 9h44m40s
